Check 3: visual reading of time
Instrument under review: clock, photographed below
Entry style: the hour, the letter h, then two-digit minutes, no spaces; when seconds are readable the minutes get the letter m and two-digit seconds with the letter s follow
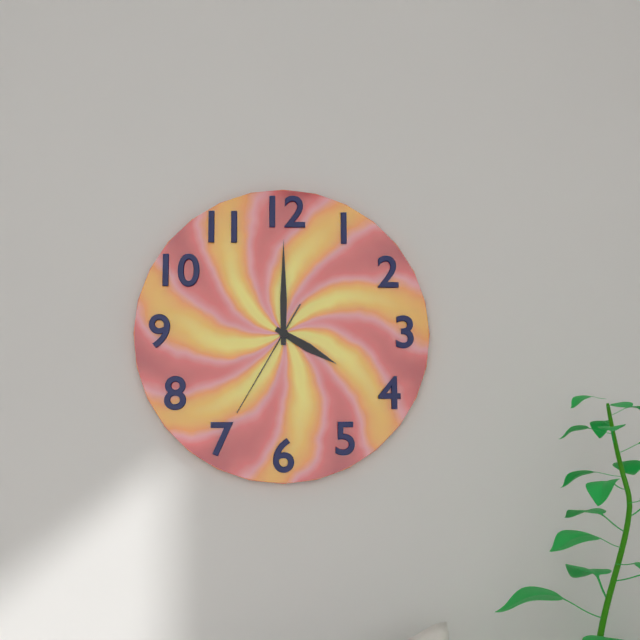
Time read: 4h00m35s
